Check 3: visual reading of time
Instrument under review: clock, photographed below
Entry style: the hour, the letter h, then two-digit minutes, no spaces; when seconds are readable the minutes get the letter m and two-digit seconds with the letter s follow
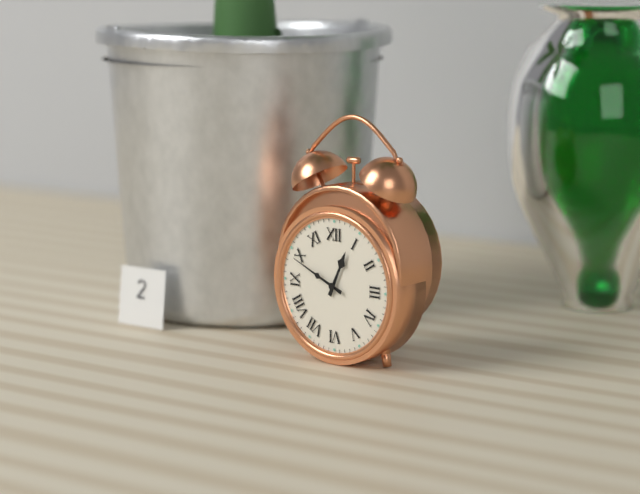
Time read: 12h49
